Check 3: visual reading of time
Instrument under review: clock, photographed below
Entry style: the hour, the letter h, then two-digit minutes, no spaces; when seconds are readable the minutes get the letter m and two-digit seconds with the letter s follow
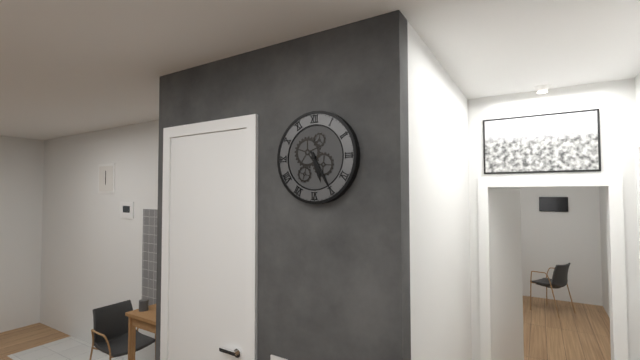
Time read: 5h25
